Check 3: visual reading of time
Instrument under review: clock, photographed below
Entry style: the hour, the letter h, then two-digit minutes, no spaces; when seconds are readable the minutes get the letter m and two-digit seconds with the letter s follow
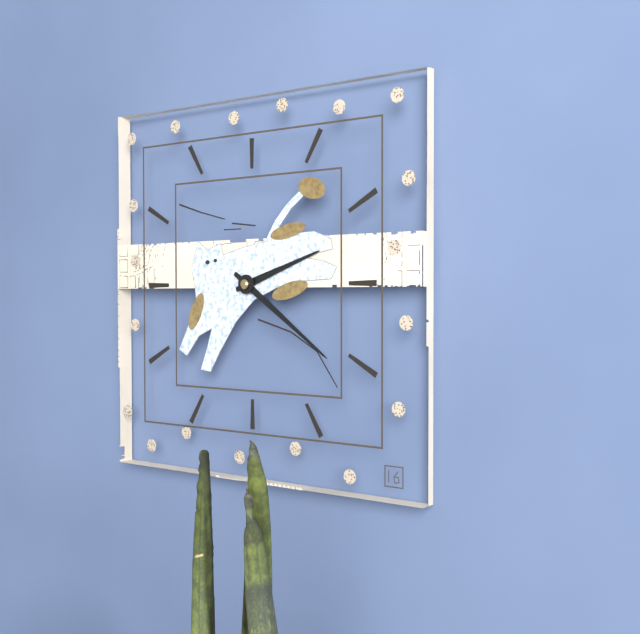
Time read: 2h21
